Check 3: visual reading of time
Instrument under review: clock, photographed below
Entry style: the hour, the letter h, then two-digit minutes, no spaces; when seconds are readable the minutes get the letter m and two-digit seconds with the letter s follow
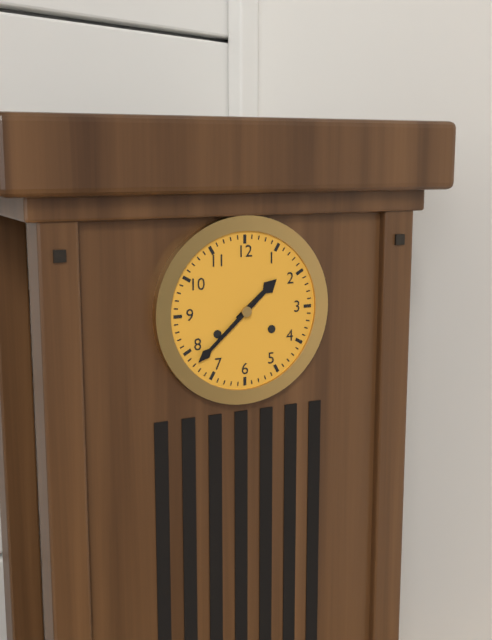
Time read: 1h38
